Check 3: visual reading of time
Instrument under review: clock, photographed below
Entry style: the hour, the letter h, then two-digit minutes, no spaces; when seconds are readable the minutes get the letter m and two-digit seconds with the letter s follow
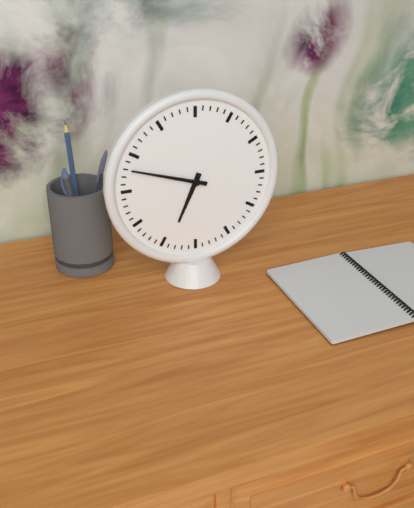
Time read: 6h48
